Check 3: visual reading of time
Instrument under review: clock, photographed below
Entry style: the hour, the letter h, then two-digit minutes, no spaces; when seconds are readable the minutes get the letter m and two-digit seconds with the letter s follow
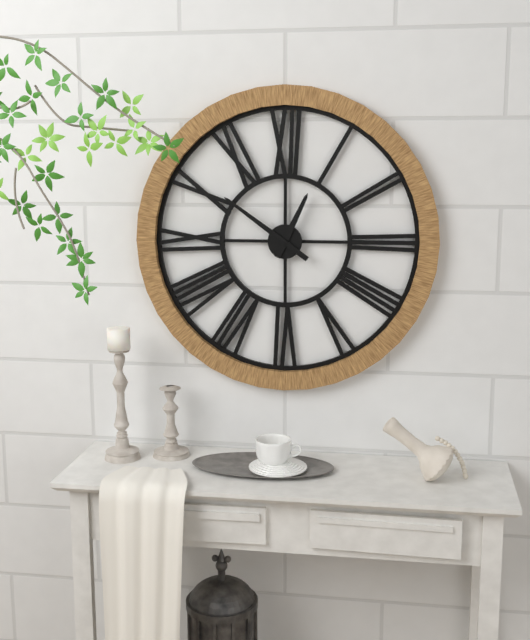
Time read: 12h51
